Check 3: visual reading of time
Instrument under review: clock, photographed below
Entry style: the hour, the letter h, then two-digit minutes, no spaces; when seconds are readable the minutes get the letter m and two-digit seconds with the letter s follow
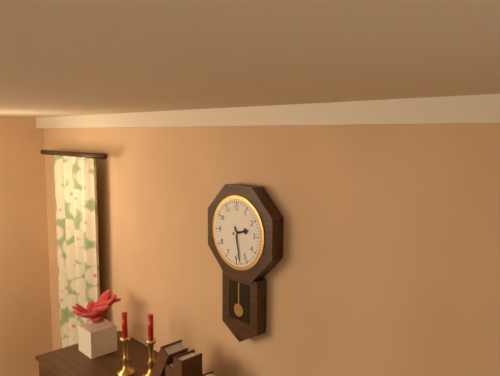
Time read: 2h28
